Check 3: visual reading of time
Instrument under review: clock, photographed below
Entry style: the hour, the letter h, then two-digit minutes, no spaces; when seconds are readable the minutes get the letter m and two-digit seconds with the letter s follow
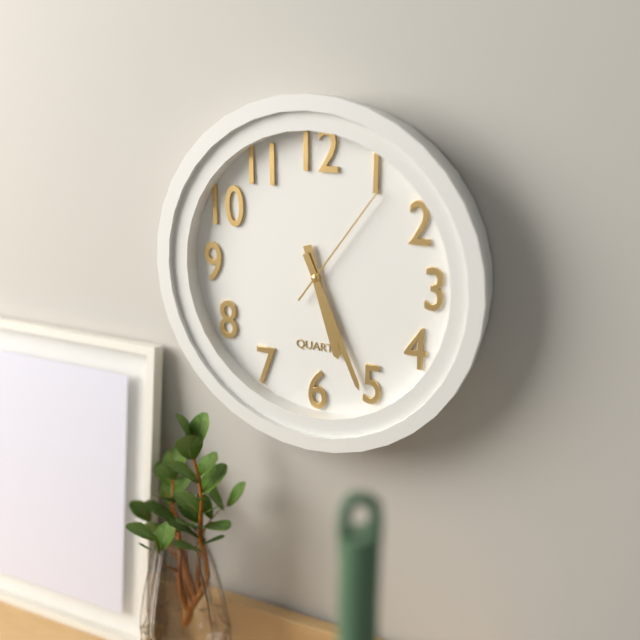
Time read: 5h26m06s
